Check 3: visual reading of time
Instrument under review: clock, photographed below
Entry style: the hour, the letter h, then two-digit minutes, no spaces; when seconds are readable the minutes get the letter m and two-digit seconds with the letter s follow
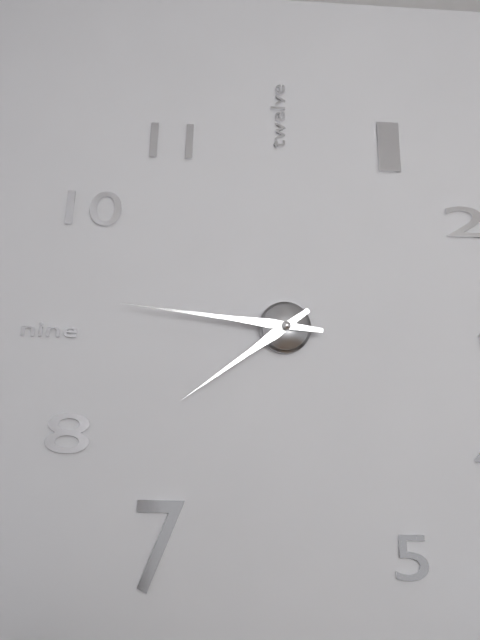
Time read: 7h46
